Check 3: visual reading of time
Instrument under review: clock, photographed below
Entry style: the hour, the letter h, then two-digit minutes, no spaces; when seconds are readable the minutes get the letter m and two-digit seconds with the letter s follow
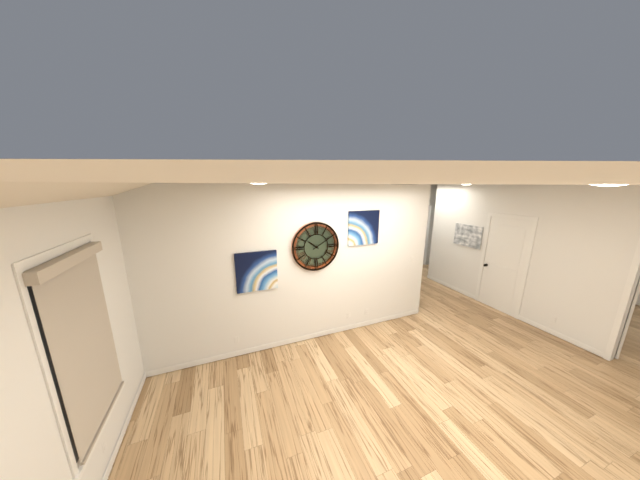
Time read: 10h10
